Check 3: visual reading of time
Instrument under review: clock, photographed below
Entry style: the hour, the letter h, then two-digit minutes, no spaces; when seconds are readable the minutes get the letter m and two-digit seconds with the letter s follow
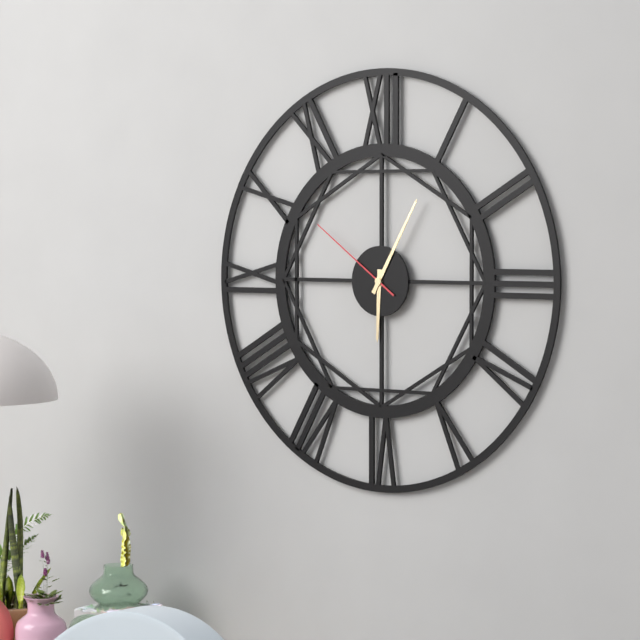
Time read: 6h05m51s
